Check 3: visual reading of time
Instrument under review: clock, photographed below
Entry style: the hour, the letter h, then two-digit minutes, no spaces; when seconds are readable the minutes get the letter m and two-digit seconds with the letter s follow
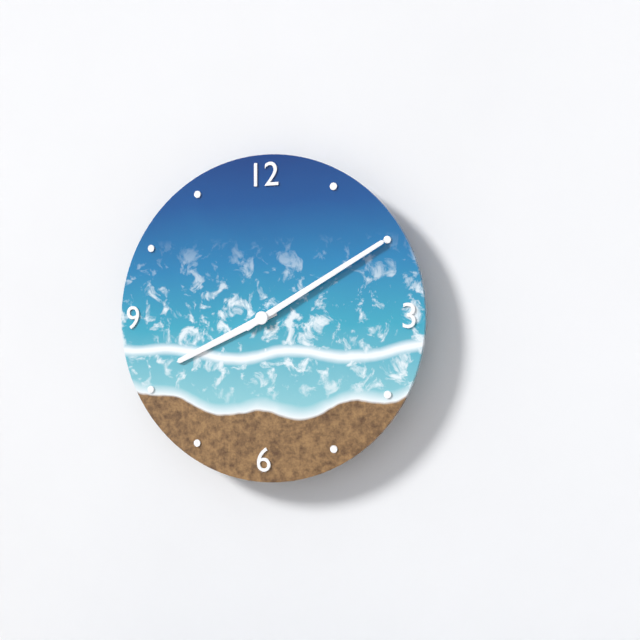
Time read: 8h10
